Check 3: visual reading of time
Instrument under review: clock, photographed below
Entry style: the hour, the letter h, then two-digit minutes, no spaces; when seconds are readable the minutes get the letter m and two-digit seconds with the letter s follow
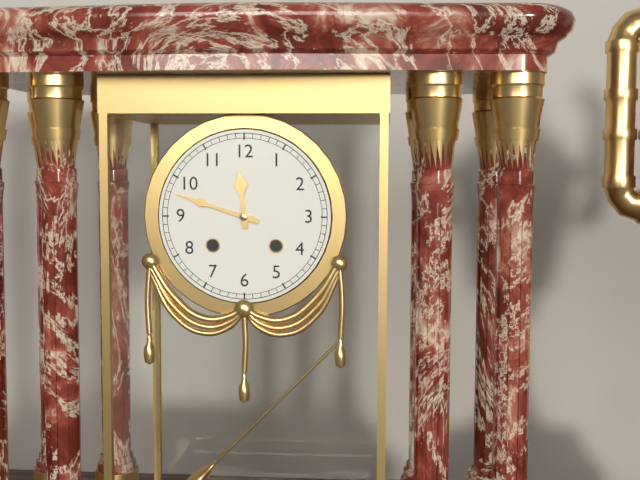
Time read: 11h48
